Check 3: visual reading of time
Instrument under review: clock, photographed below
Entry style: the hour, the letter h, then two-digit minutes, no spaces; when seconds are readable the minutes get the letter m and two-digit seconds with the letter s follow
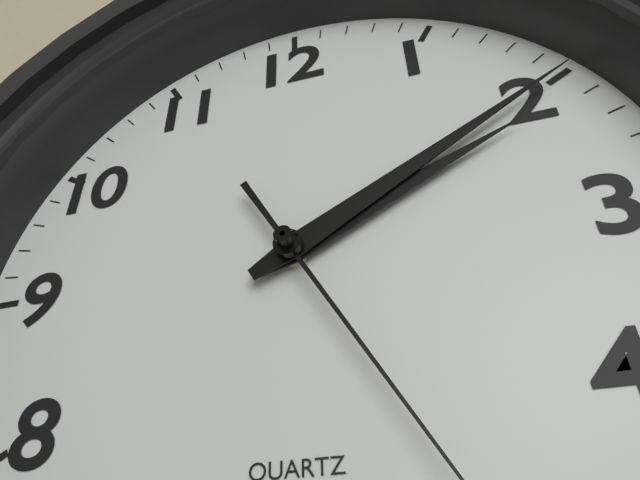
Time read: 2h10
